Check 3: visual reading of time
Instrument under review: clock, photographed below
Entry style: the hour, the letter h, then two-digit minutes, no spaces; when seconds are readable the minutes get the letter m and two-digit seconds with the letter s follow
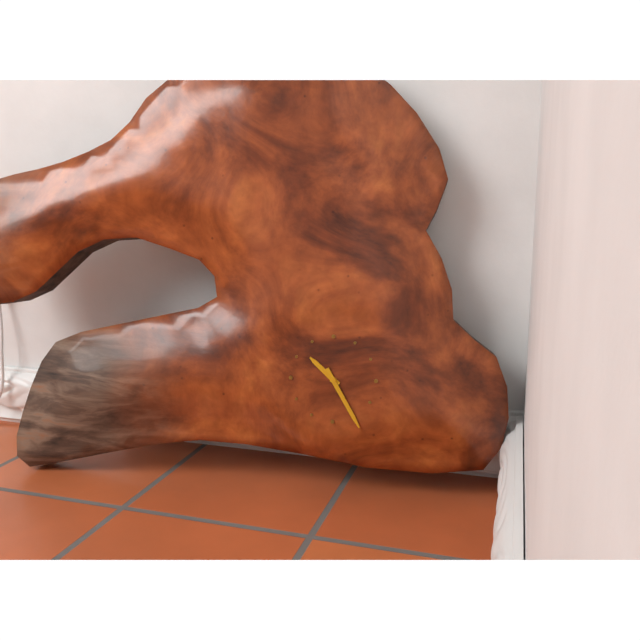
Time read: 10h25
